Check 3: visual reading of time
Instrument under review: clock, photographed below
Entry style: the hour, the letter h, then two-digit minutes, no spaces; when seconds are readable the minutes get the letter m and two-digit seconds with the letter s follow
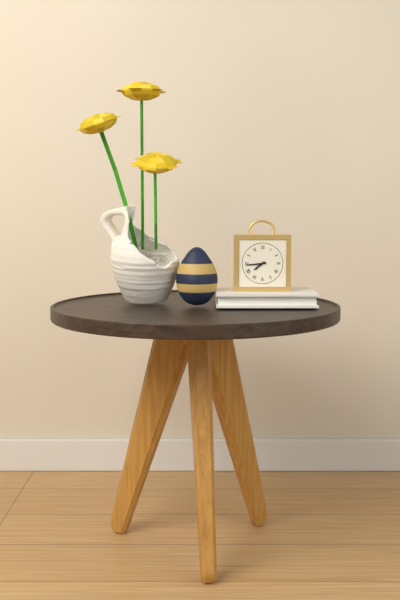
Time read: 7h44
